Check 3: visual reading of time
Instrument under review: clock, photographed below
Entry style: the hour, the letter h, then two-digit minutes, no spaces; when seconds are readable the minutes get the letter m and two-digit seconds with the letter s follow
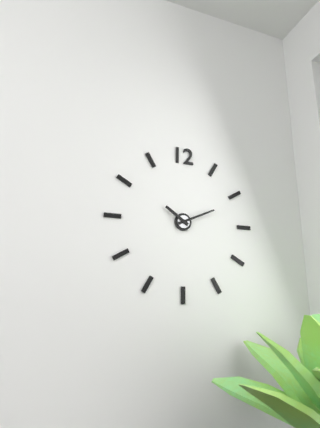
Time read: 10h11
